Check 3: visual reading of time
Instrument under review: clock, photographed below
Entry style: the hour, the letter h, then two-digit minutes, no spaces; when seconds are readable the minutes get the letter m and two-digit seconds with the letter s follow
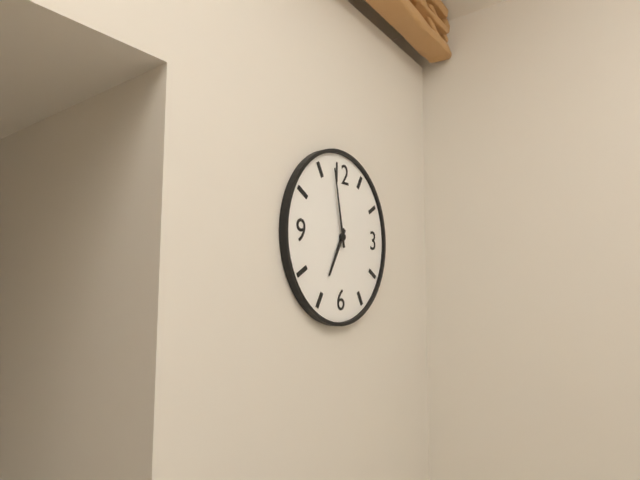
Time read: 6h58
